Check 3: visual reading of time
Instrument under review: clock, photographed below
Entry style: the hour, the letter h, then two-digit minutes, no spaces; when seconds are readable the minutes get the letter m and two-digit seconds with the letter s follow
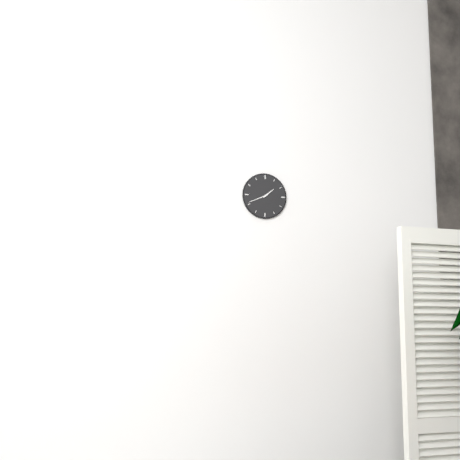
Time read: 1h41
